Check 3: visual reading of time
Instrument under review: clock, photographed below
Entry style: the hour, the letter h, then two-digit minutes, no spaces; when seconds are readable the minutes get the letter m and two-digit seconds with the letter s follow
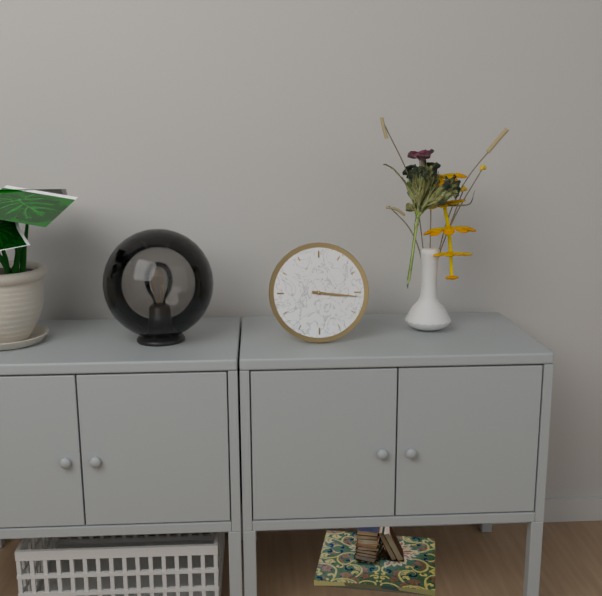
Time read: 3h16
